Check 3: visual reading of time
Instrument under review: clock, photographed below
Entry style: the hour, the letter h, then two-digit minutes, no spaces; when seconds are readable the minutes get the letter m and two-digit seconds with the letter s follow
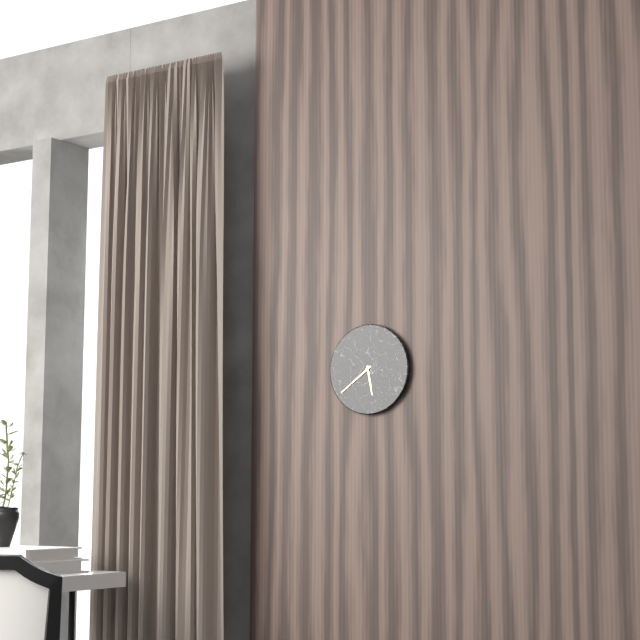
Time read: 5h39
